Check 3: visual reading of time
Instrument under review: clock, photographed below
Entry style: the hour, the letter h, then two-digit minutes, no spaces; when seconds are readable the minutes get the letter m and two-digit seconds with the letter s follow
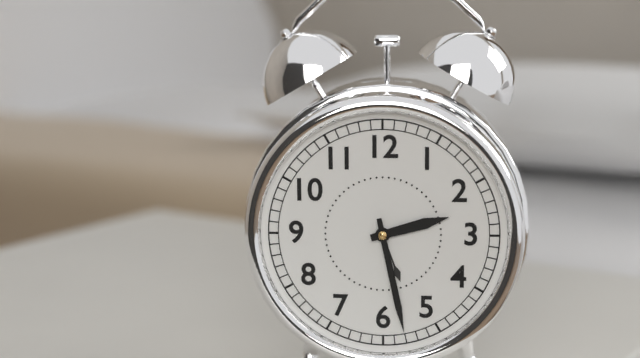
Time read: 2h28
